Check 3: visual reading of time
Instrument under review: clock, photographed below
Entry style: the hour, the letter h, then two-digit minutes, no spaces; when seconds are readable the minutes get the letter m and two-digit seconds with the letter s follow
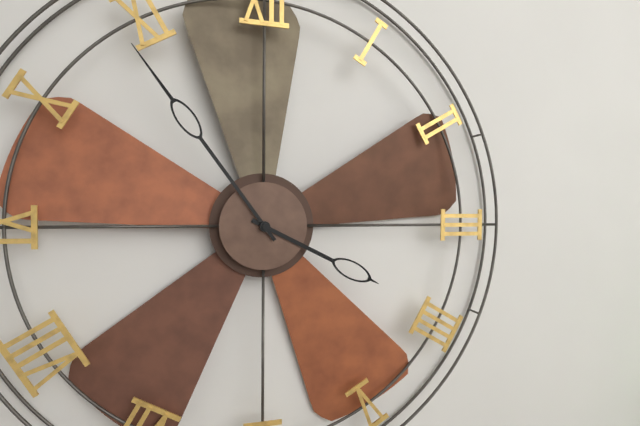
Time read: 3h54
